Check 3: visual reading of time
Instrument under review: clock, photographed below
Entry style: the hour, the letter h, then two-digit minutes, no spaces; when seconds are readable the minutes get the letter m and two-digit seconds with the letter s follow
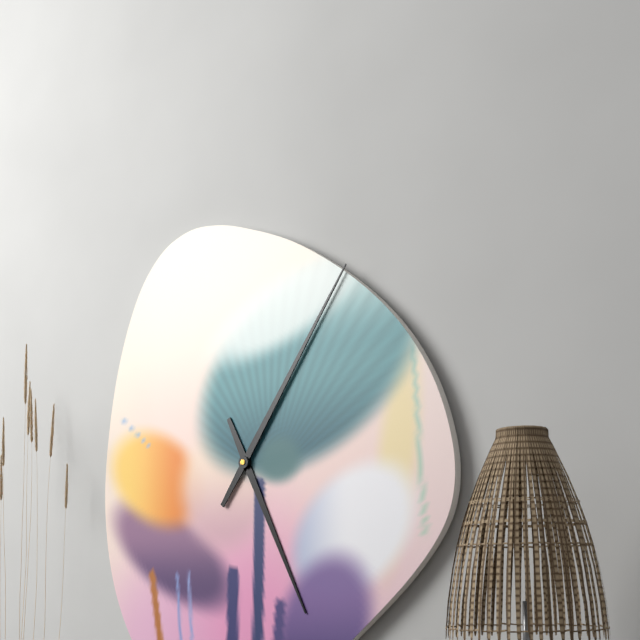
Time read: 5h06
